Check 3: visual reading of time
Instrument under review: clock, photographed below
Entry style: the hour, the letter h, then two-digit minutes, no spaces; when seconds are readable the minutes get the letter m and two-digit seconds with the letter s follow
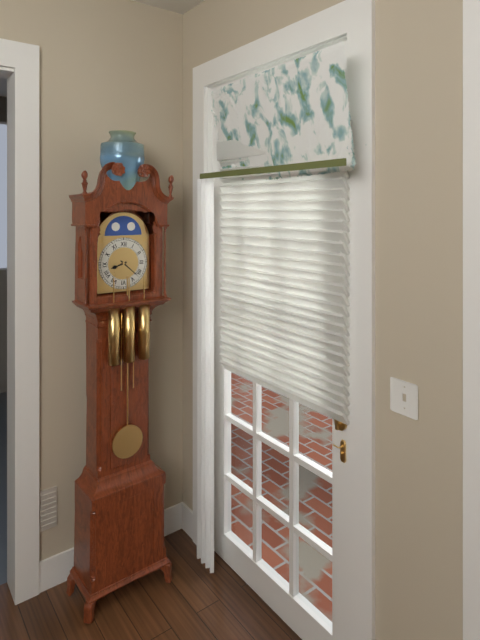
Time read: 8h22
